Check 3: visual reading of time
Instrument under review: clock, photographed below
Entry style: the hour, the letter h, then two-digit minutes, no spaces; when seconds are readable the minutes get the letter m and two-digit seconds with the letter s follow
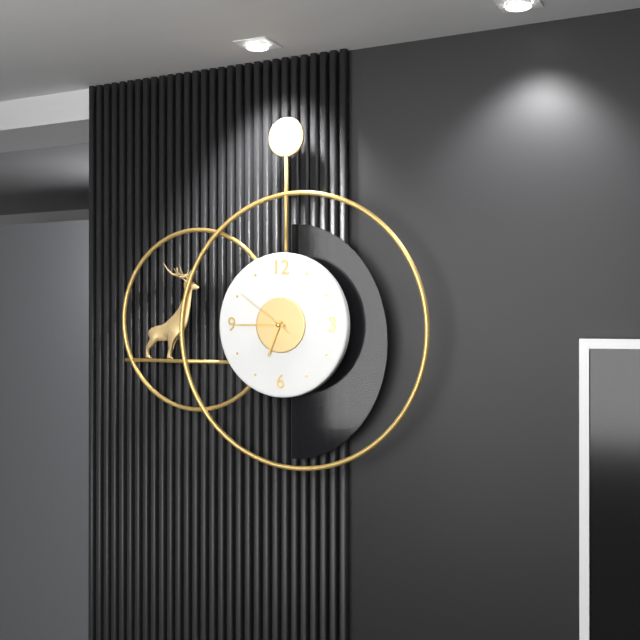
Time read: 6h45m51s
